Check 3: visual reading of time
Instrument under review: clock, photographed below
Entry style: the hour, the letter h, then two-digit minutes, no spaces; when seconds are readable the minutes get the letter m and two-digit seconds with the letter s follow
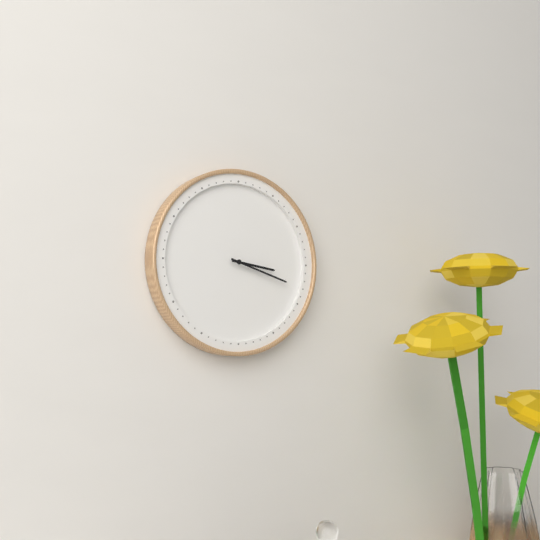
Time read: 3h18
